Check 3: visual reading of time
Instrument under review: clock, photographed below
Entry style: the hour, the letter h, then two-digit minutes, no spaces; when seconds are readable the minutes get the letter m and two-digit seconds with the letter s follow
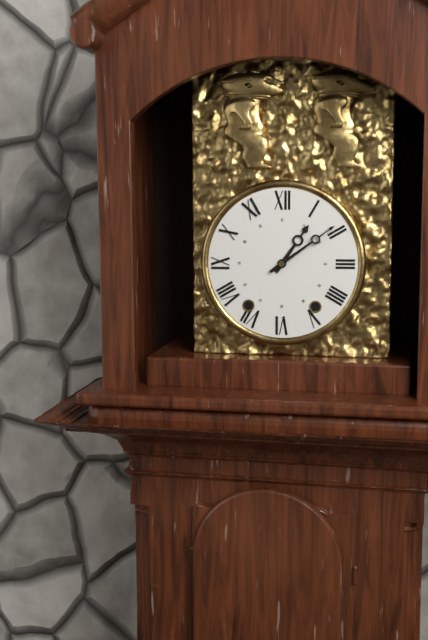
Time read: 1h09
